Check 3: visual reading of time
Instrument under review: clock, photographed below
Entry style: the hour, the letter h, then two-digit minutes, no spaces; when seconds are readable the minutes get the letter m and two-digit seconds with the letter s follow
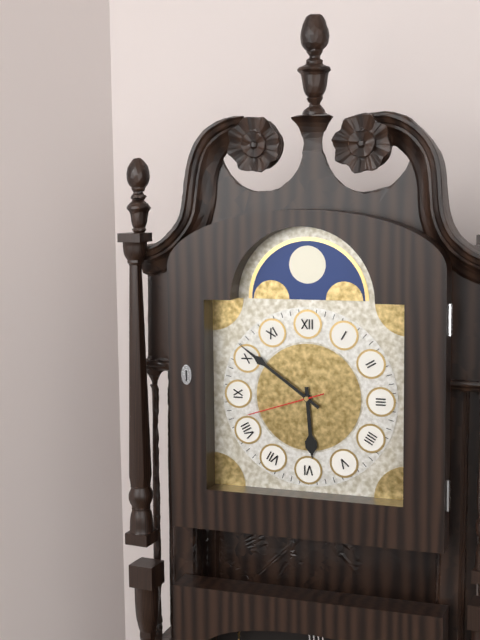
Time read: 5h51m42s
